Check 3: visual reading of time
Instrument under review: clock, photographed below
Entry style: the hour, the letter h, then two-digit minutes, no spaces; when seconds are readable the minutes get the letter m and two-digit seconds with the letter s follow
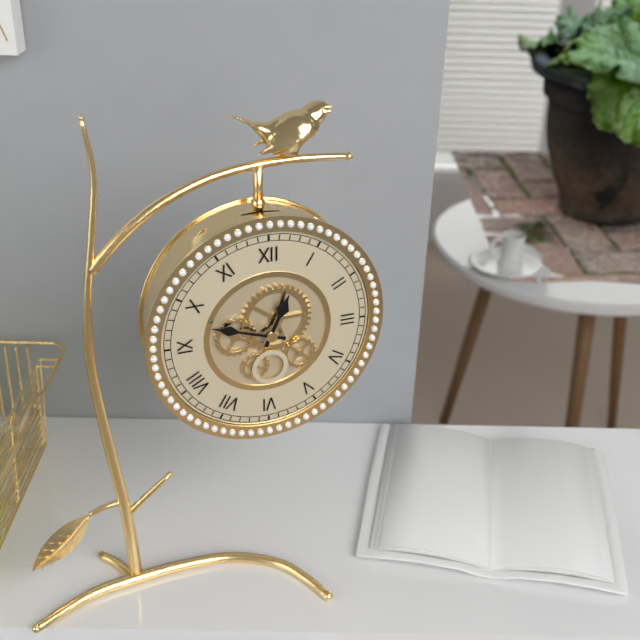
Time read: 12h48
